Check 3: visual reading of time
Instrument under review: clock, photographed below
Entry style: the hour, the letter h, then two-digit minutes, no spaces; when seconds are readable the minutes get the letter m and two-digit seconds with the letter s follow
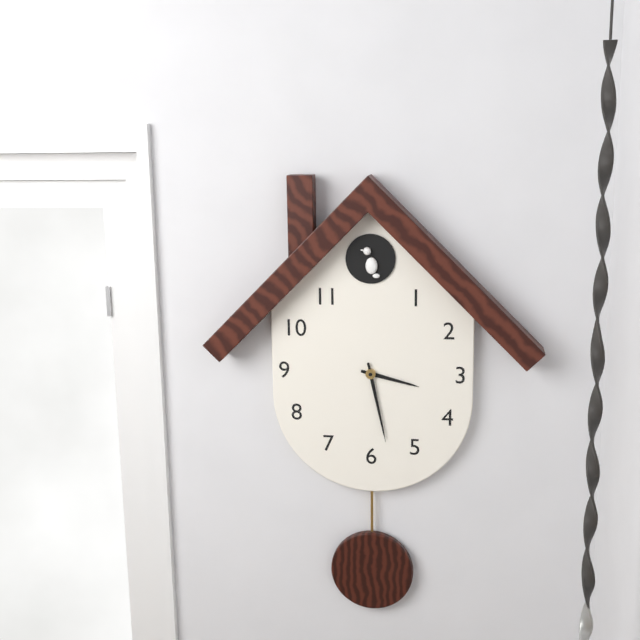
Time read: 3h28
